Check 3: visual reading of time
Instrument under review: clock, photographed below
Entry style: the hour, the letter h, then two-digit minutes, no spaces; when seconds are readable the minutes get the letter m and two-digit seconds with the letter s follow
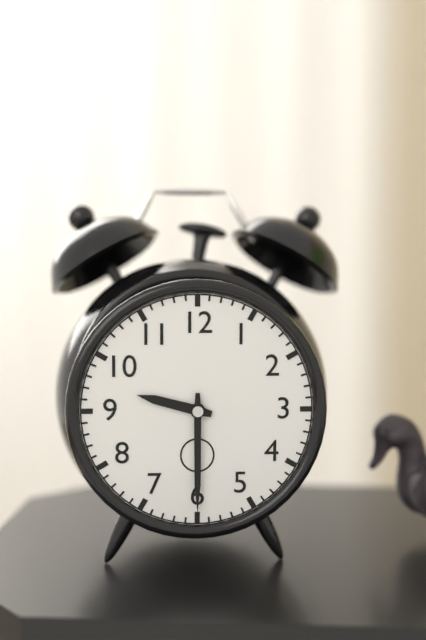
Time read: 9h30
